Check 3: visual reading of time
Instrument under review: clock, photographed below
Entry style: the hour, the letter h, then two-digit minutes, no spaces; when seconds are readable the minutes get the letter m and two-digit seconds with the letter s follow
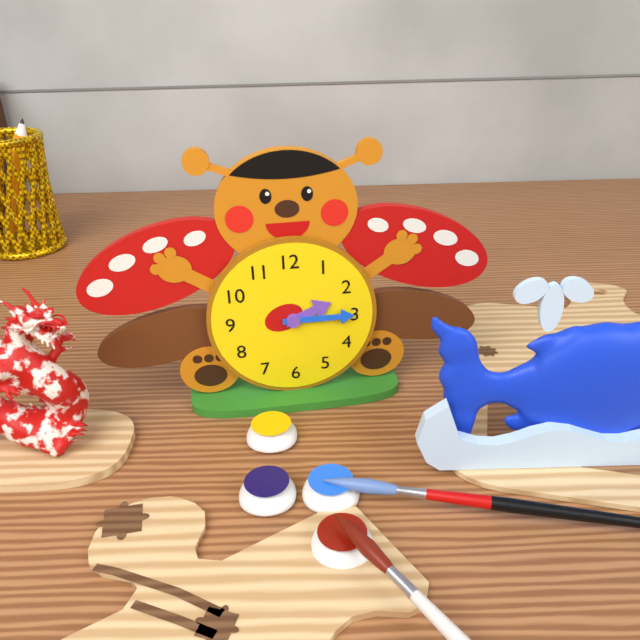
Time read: 2h15
